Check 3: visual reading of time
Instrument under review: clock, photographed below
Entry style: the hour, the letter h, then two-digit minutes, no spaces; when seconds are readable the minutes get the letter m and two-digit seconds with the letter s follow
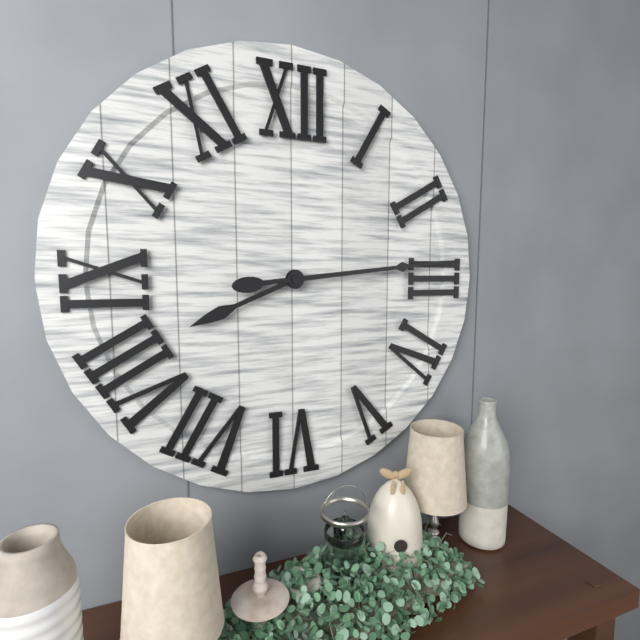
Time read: 8h14
